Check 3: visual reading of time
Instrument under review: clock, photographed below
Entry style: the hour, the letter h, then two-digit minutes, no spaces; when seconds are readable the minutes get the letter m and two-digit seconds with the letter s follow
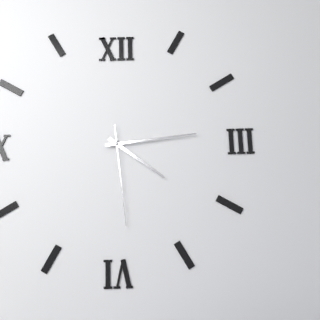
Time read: 4h14m29s
